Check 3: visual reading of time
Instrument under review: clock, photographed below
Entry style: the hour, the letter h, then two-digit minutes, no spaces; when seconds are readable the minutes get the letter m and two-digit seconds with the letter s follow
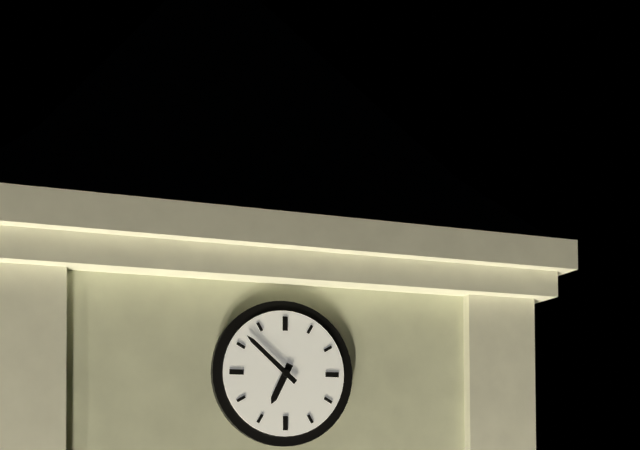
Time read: 6h52
